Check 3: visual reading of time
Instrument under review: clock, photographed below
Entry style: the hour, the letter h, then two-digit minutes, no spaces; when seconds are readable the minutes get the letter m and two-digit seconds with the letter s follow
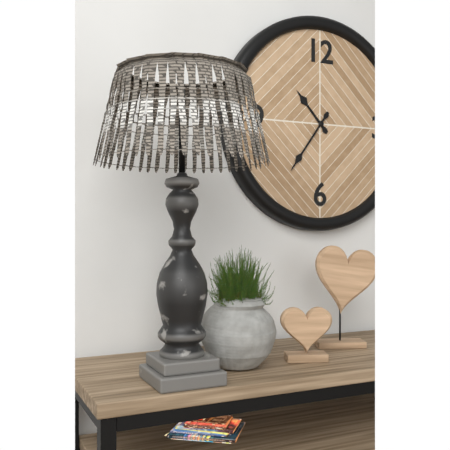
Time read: 10h36
